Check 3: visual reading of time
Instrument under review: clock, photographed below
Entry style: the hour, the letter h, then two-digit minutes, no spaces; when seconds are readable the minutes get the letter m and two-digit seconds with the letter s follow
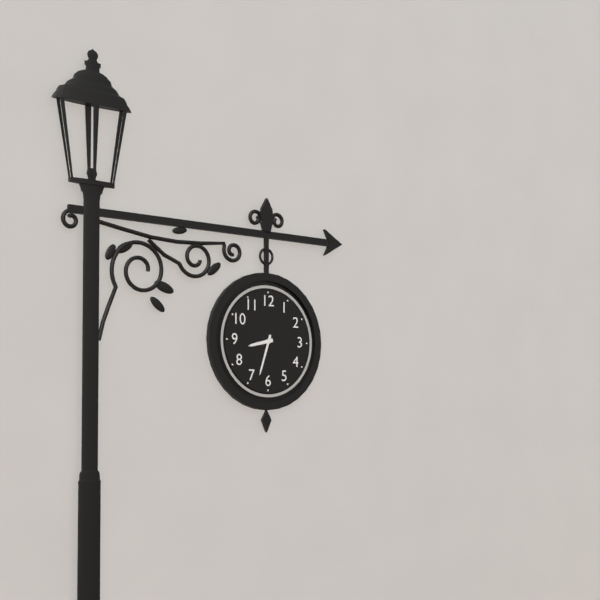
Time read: 8h33
